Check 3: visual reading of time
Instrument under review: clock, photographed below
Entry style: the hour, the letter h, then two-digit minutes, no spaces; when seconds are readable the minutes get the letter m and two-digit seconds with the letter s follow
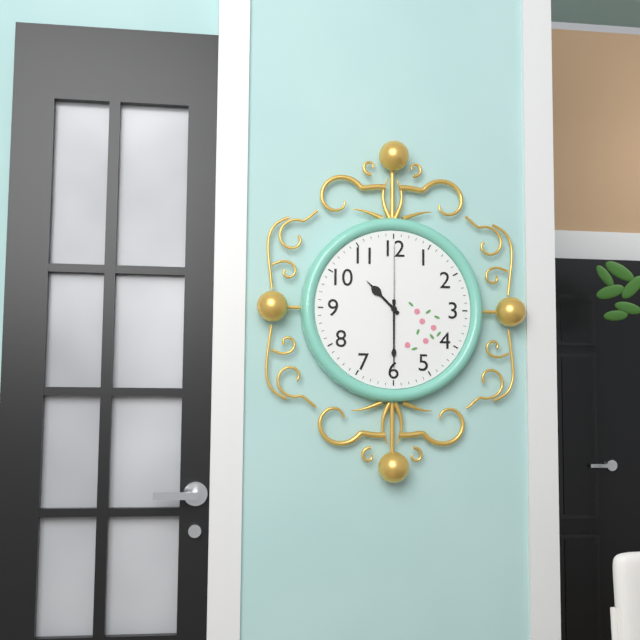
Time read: 10h30m00s
